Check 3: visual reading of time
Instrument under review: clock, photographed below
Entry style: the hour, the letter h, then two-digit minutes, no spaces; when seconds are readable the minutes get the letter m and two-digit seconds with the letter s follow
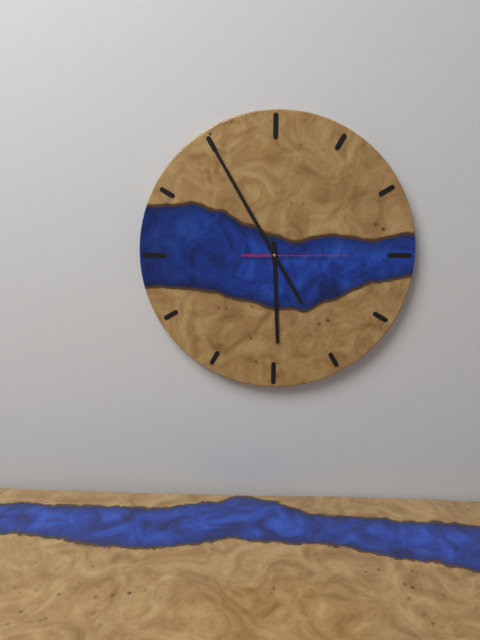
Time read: 5h55m15s
